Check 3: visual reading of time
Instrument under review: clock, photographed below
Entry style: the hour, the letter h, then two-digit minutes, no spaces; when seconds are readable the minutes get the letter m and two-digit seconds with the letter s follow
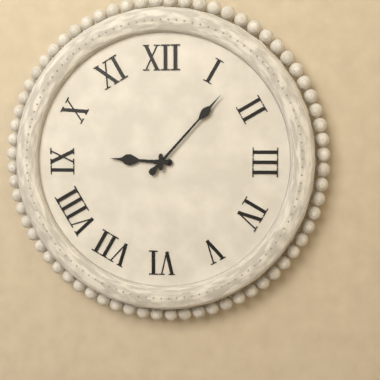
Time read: 9h07
